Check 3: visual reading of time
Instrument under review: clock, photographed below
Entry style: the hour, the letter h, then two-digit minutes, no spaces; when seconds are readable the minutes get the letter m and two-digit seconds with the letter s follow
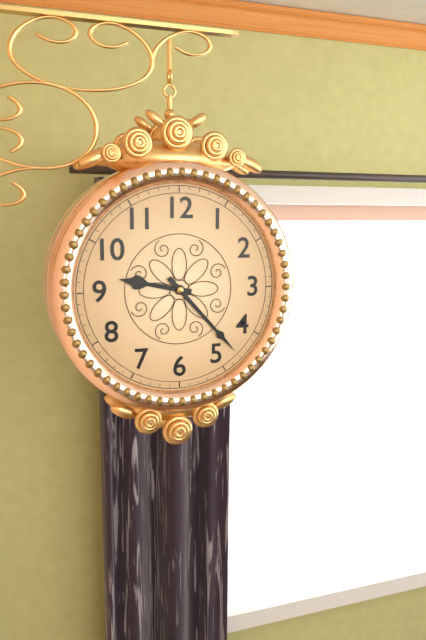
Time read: 9h23
